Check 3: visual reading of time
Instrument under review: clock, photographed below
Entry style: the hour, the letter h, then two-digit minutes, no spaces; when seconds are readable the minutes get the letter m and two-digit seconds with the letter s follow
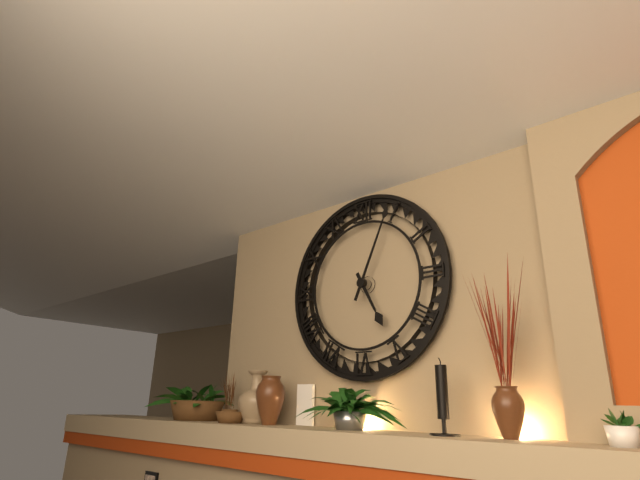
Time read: 5h04
